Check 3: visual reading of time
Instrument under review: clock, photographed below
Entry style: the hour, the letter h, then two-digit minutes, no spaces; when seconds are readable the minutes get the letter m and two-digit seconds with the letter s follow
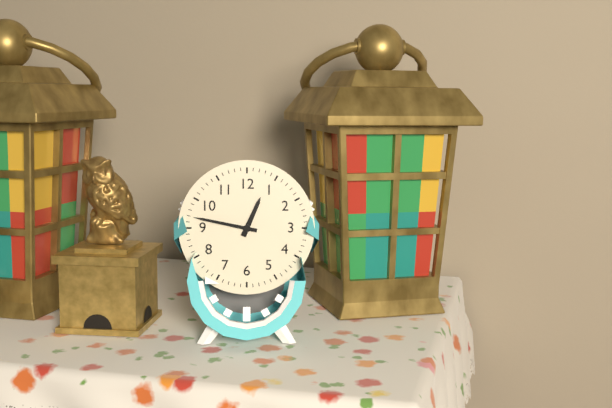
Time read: 12h47
